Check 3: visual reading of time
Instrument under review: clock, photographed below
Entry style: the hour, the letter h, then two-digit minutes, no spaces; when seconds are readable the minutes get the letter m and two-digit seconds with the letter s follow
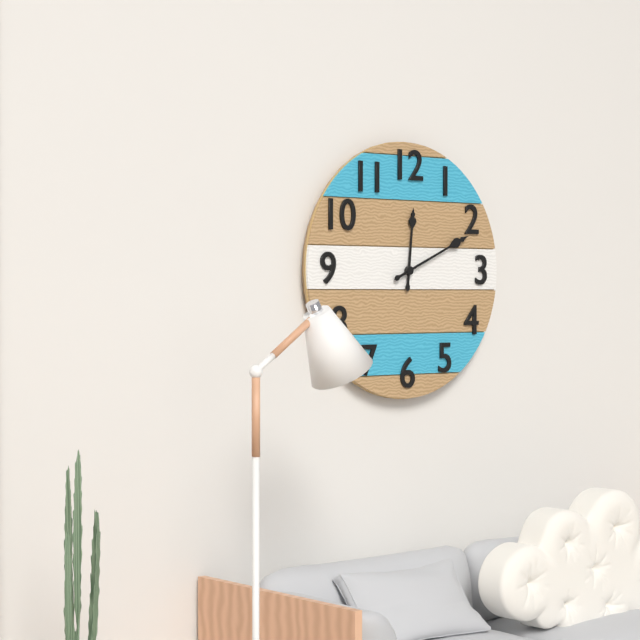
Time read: 12h11
